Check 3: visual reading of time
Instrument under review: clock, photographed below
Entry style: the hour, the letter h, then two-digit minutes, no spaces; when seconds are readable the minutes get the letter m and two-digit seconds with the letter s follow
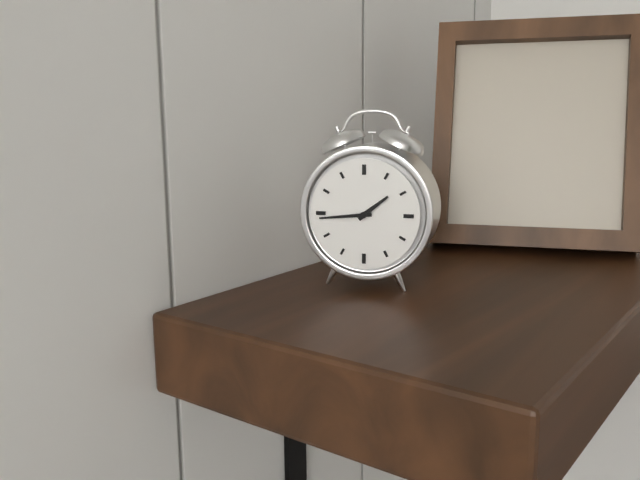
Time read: 1h44
